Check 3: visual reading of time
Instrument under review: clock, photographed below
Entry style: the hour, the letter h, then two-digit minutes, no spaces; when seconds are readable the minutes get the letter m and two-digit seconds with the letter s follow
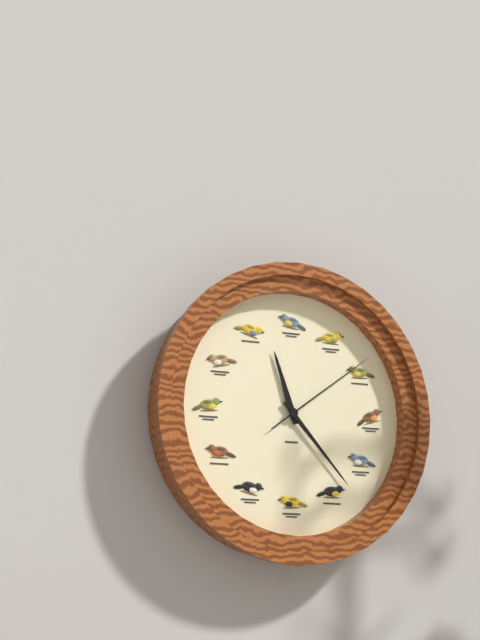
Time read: 11h23m09s
